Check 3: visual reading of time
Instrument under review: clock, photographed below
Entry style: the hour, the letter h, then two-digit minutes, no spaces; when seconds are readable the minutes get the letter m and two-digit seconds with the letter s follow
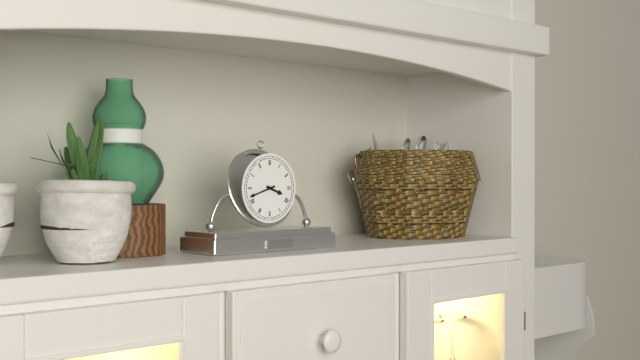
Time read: 3h42
